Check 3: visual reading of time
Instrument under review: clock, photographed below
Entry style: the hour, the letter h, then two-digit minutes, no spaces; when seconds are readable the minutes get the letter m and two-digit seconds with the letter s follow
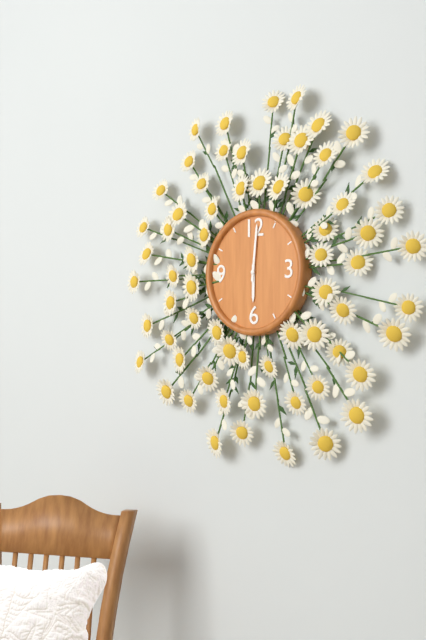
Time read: 6h01
